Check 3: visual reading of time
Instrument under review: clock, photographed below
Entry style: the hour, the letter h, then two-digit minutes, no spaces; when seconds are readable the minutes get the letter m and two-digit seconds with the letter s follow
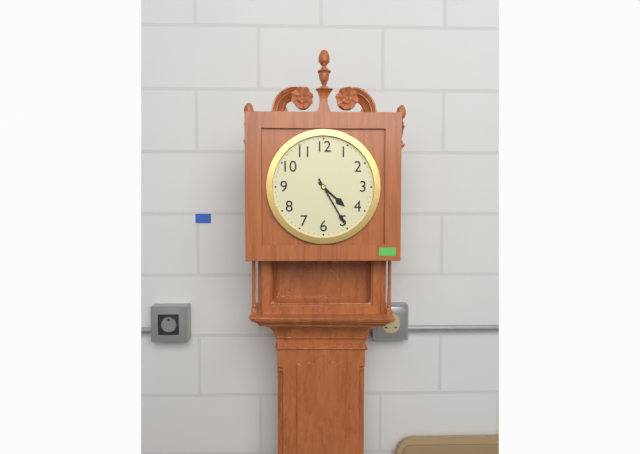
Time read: 4h25
